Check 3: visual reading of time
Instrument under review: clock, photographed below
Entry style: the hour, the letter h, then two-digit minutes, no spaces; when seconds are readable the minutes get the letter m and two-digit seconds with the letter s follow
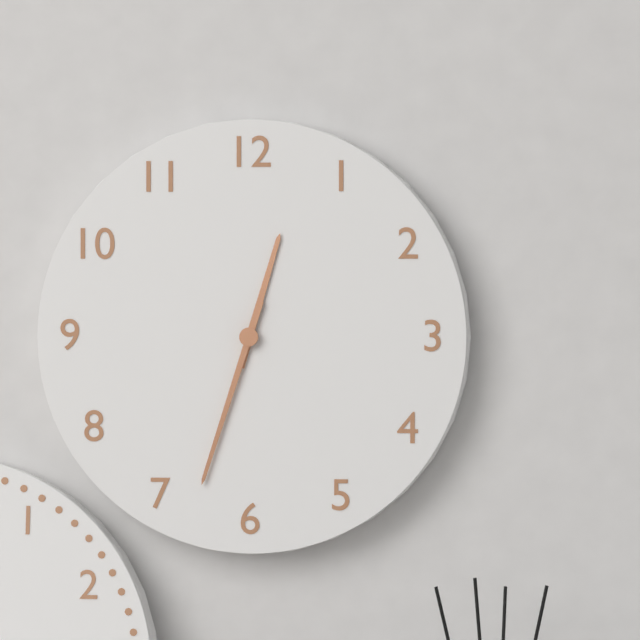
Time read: 12h33
